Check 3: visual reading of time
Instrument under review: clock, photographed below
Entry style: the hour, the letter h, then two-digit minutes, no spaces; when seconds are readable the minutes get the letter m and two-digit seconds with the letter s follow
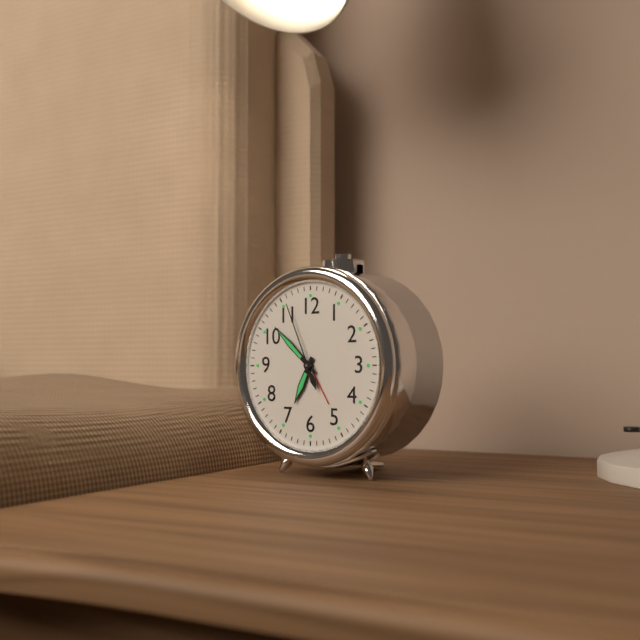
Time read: 6h52m56s
